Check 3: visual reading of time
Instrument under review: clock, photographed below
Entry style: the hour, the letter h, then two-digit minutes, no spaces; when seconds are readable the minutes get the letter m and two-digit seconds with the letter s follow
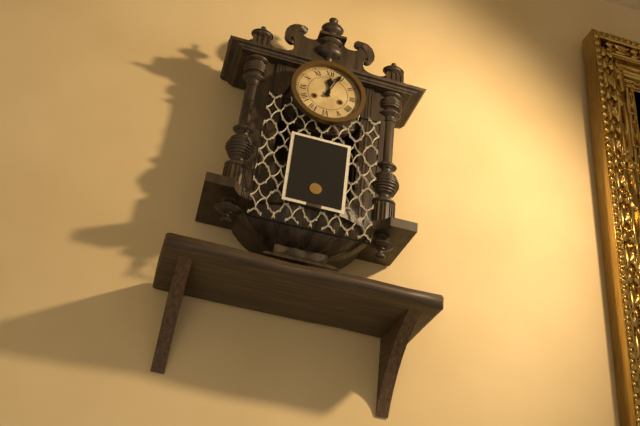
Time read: 12h04
